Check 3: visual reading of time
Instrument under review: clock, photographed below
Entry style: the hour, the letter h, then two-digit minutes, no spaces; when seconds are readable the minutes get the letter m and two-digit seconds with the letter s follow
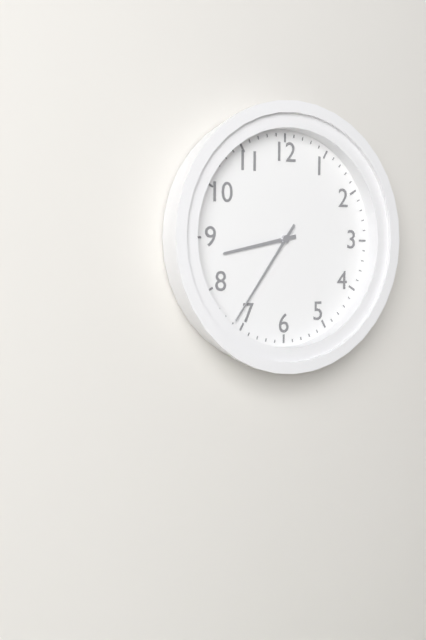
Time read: 8h36
